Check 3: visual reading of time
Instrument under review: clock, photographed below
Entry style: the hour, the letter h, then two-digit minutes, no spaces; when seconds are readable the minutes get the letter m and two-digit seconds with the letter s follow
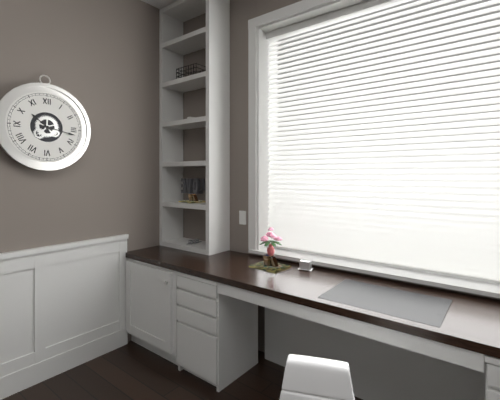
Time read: 10h17
